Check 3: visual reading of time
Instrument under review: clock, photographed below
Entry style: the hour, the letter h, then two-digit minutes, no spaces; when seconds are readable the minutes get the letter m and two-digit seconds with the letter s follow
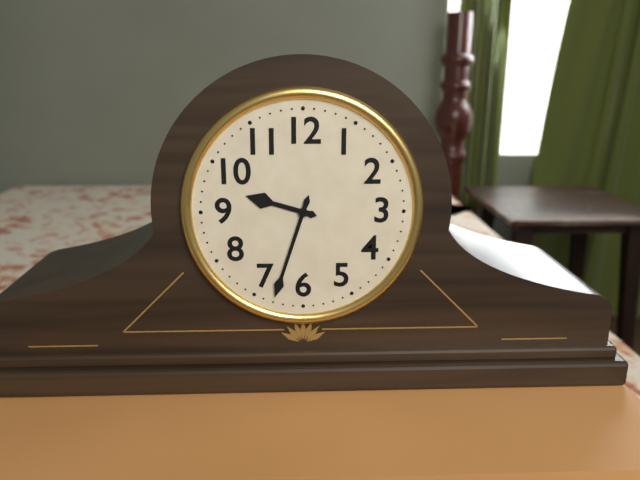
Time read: 9h33
